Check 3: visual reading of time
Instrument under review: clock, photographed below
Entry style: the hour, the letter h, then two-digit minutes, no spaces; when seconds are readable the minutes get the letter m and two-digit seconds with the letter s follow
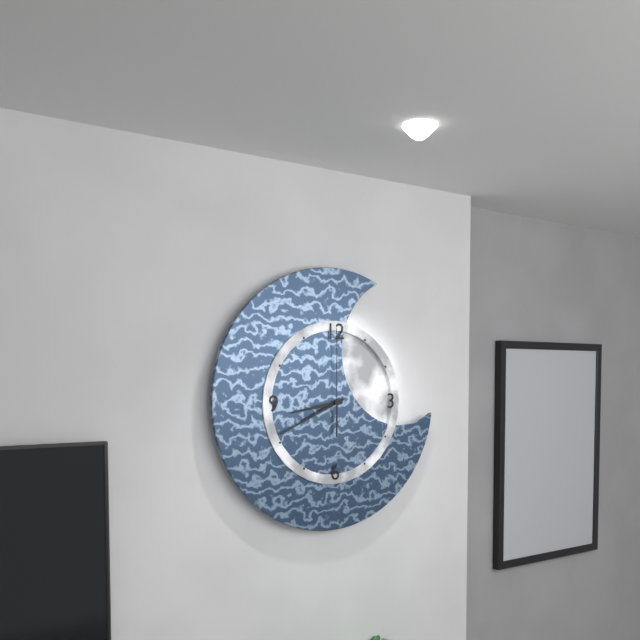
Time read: 8h41m00s
